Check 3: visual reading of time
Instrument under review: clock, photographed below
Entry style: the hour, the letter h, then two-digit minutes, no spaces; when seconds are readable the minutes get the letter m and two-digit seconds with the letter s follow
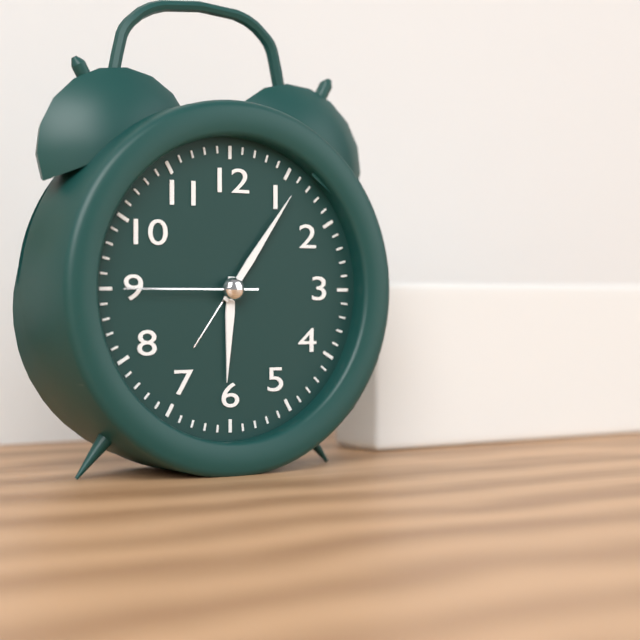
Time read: 6h06m45s
